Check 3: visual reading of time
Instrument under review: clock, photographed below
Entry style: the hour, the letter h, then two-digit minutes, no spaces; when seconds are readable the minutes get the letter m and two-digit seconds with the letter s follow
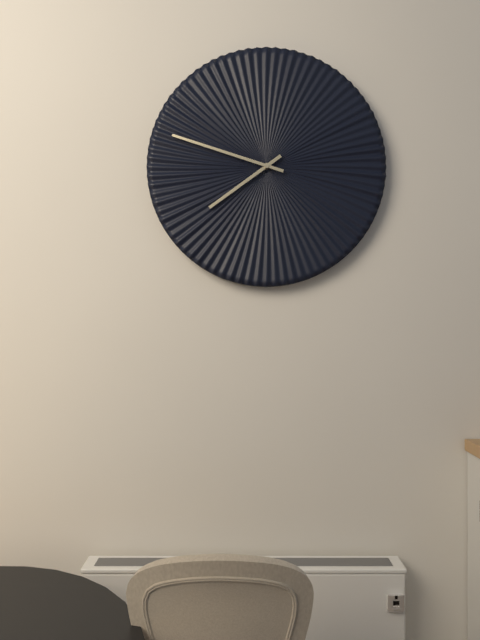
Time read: 7h48
